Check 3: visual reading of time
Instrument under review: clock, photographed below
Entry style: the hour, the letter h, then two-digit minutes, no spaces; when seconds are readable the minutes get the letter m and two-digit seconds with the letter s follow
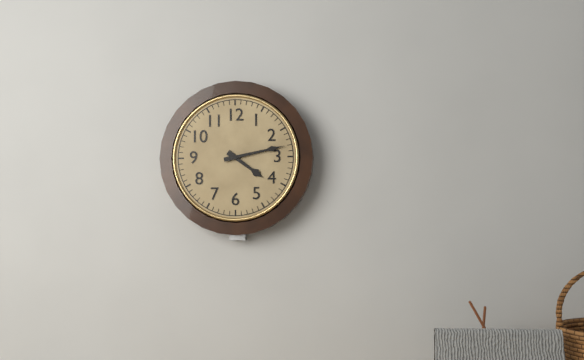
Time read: 4h13
